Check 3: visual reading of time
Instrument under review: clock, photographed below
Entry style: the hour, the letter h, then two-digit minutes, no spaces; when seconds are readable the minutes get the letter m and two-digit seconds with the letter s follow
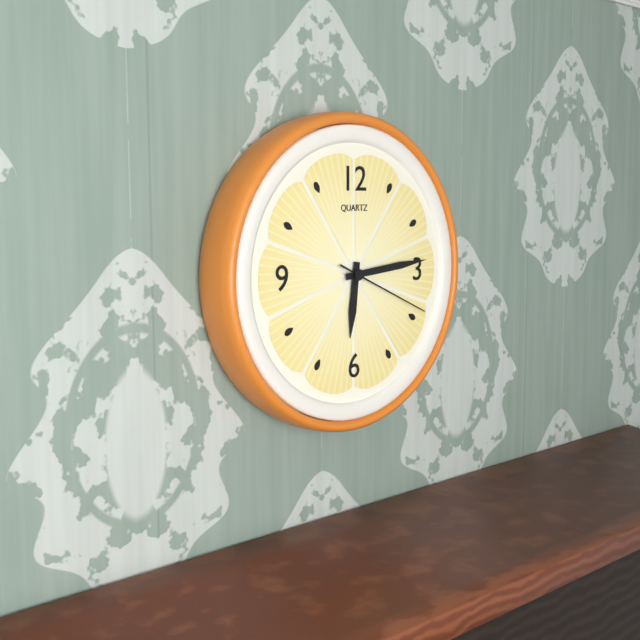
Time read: 6h14m19s
